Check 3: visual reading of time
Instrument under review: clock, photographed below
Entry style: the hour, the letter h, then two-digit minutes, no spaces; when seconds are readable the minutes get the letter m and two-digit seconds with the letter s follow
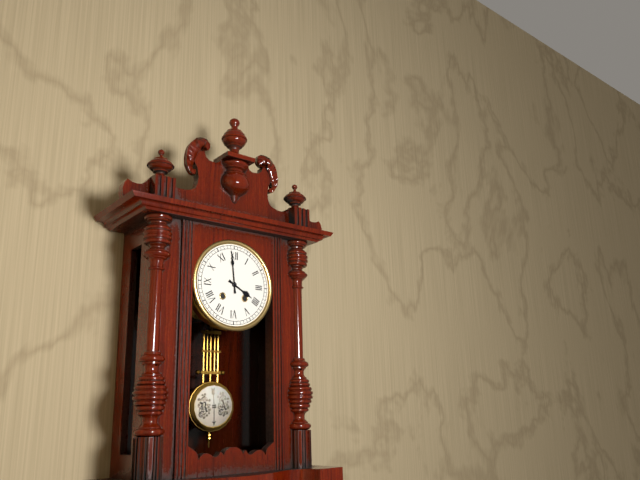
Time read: 3h59
